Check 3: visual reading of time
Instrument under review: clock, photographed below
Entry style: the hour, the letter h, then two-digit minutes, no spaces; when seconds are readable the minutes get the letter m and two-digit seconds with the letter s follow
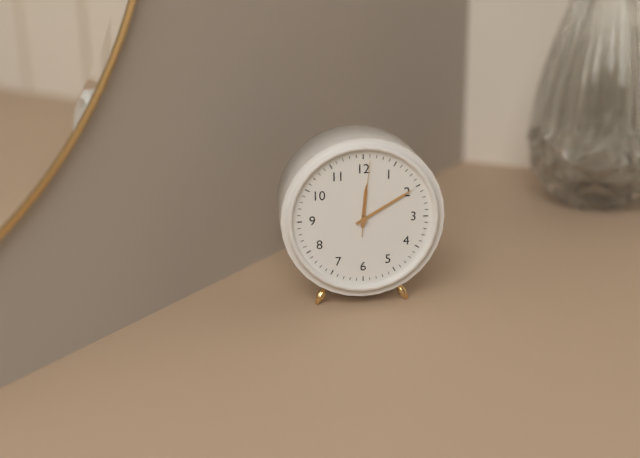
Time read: 12h10m01s
